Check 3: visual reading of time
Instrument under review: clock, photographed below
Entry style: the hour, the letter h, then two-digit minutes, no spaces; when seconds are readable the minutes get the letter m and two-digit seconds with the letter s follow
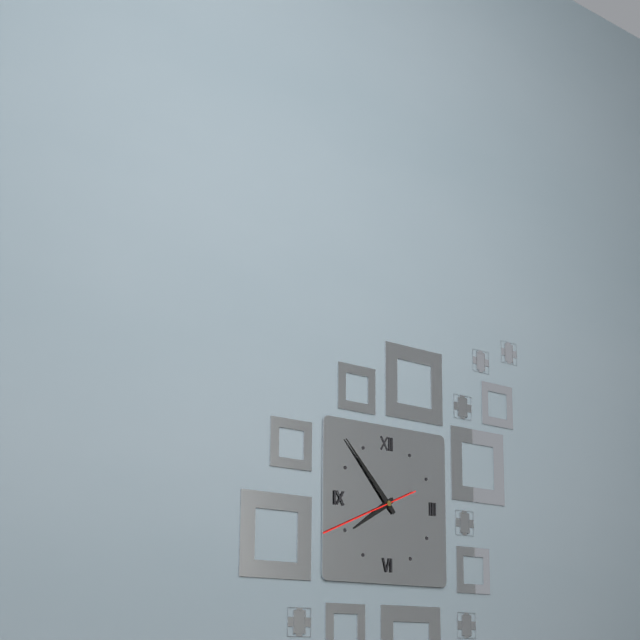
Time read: 7h53m41s
